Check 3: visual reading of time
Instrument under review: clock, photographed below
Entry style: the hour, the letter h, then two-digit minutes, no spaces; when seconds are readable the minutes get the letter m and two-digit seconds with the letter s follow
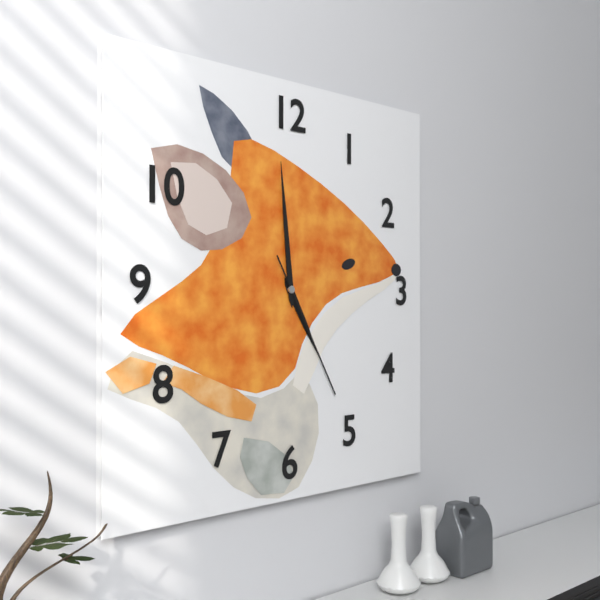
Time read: 4h59m25s
